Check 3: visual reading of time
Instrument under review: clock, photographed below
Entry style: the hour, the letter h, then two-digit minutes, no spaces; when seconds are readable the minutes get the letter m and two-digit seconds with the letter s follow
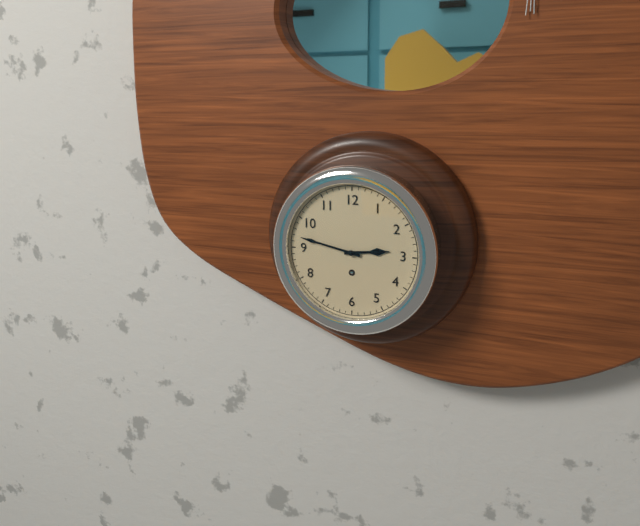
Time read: 2h47
